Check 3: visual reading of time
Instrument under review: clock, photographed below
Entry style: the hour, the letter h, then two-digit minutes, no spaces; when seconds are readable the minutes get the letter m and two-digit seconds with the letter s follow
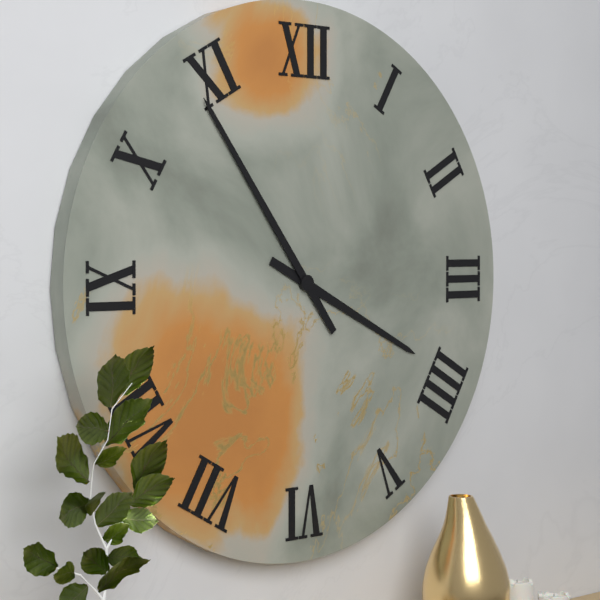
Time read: 3h54
